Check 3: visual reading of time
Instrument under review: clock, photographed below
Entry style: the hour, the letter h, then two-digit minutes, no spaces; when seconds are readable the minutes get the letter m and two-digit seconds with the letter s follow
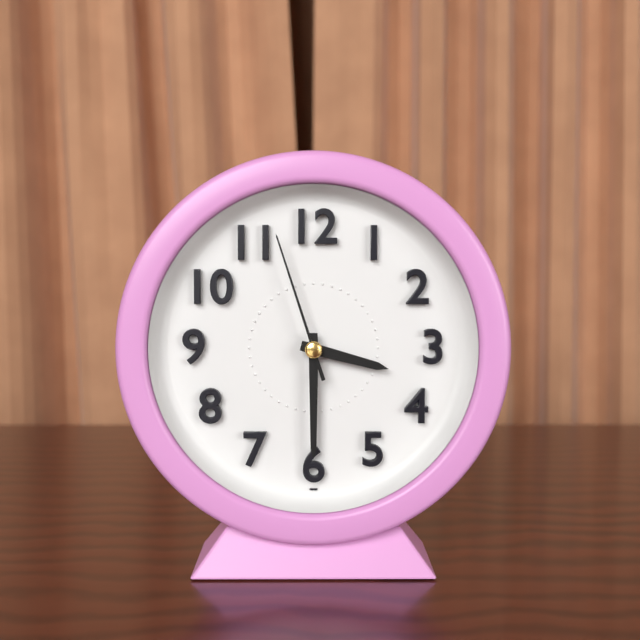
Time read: 3h30m57s
